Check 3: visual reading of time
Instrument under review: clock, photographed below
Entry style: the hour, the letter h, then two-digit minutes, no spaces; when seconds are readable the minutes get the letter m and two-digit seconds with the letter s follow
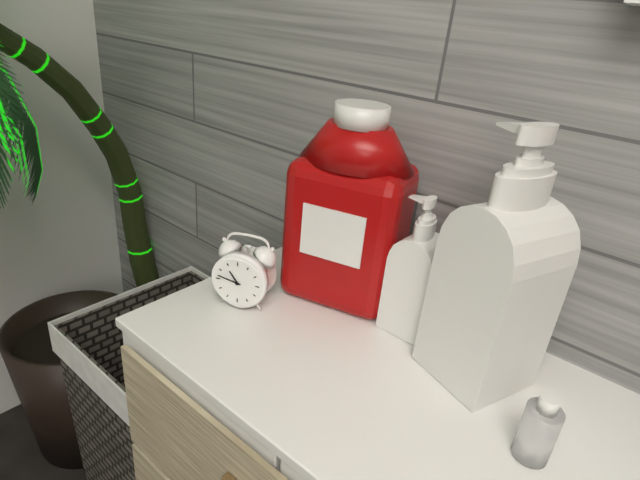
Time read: 10h47
